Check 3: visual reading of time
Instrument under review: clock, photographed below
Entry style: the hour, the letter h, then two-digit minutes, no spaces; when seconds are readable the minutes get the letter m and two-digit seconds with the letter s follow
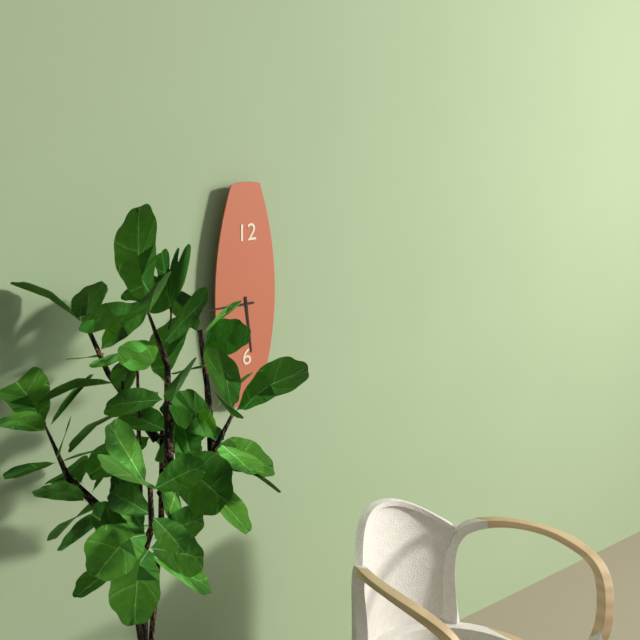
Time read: 5h45
